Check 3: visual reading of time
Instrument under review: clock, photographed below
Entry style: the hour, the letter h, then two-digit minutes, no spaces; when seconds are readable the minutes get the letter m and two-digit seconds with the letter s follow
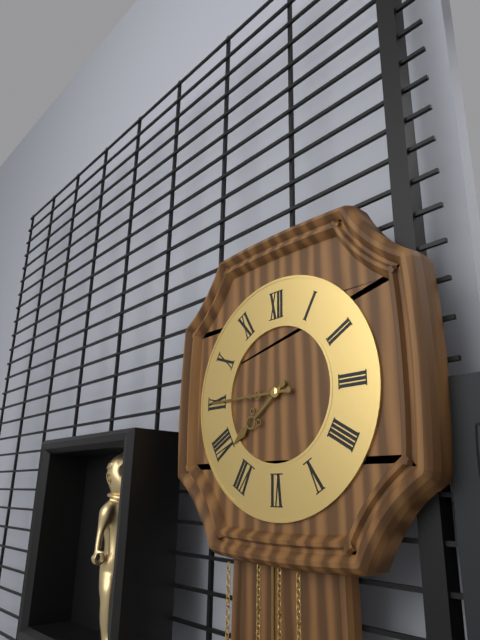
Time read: 7h45
